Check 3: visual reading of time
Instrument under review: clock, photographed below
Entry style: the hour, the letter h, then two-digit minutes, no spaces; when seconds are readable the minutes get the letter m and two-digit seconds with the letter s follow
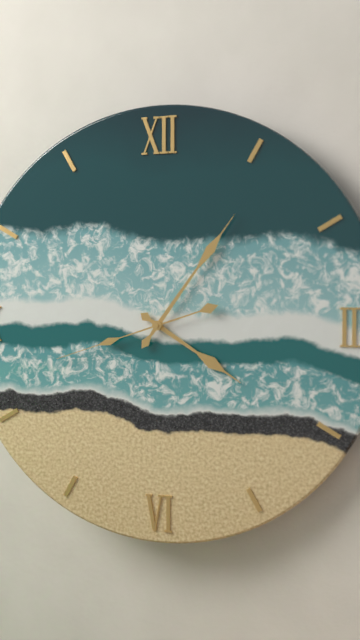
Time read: 4h06m42s
